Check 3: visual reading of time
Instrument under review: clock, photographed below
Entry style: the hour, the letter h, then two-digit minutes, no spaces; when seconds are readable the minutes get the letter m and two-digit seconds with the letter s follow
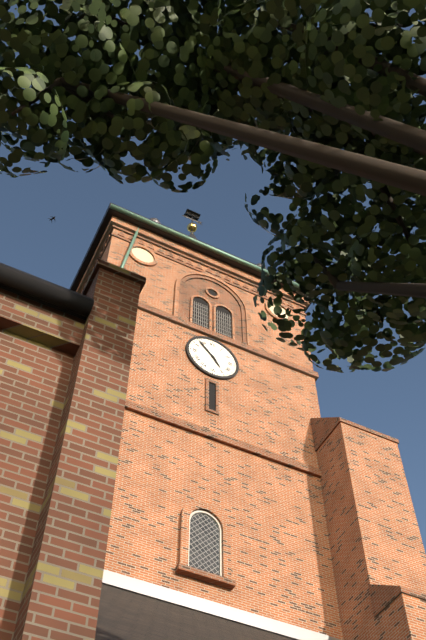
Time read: 4h53
